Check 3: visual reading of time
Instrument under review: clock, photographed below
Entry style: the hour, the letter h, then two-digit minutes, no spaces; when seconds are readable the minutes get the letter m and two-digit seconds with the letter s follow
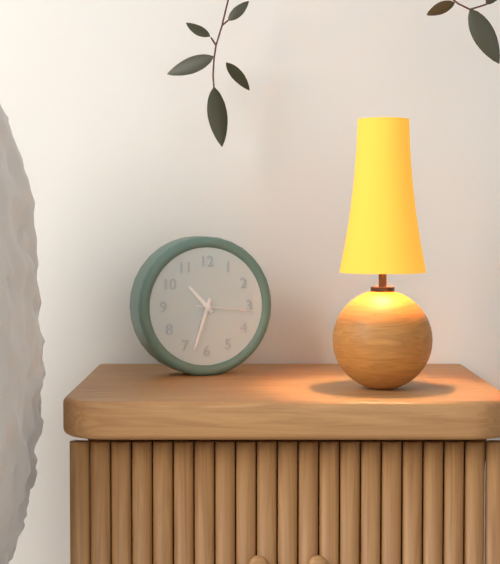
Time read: 10h33m16s
